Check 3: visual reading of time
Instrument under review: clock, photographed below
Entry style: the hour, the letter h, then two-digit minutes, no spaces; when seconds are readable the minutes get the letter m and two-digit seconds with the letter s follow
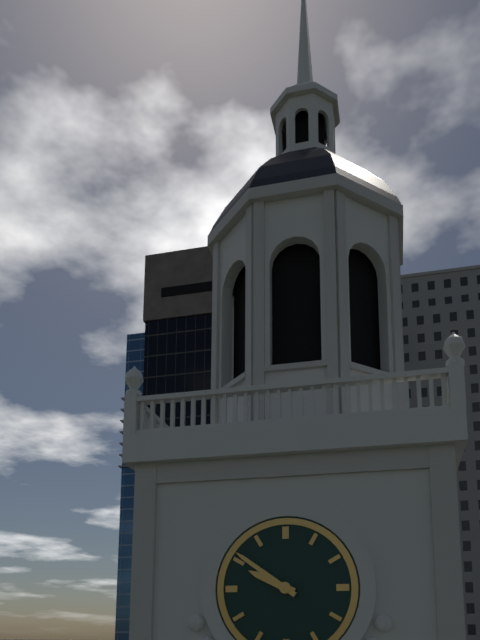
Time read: 9h51
